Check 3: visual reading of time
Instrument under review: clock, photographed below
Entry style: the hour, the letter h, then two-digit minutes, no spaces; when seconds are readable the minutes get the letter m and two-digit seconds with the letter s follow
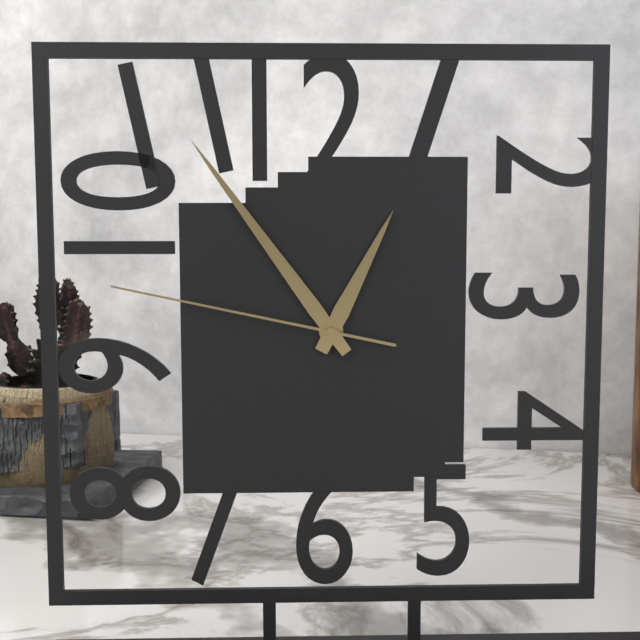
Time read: 12h54m47s
